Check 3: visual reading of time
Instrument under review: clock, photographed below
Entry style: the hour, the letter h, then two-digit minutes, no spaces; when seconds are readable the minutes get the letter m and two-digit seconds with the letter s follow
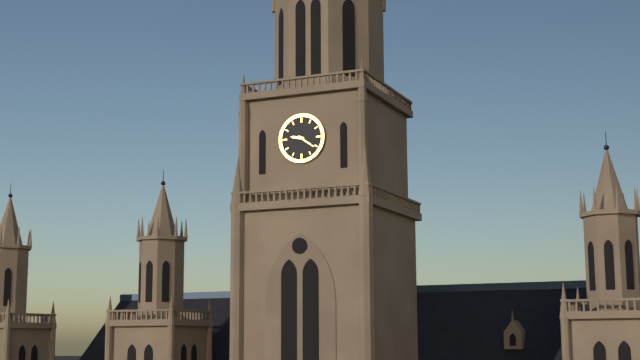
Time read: 9h21
